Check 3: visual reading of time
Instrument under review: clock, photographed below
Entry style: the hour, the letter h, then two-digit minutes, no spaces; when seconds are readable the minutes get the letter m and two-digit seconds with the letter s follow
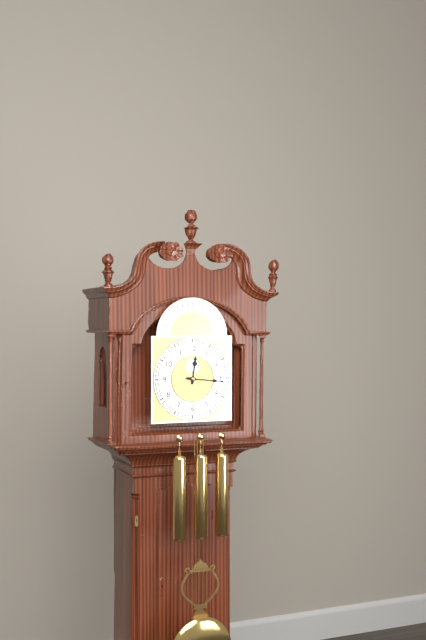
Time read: 12h16
